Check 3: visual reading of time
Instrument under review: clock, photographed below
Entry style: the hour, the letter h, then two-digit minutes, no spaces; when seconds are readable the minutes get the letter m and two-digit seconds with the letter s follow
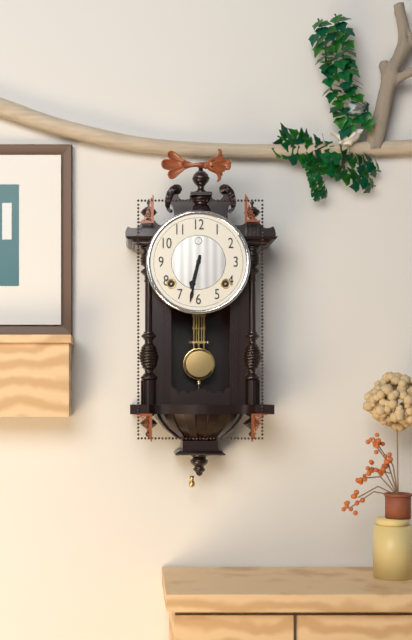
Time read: 6h32
